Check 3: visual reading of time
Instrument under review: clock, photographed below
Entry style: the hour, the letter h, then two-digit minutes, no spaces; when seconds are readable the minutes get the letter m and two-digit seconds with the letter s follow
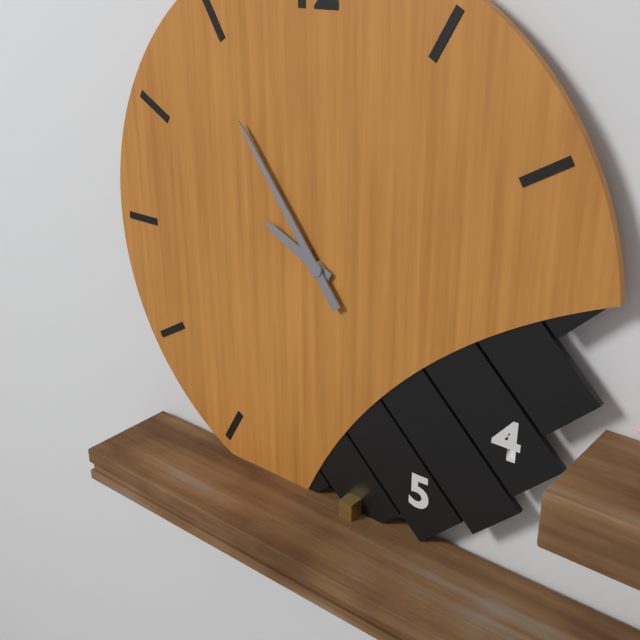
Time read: 9h54
